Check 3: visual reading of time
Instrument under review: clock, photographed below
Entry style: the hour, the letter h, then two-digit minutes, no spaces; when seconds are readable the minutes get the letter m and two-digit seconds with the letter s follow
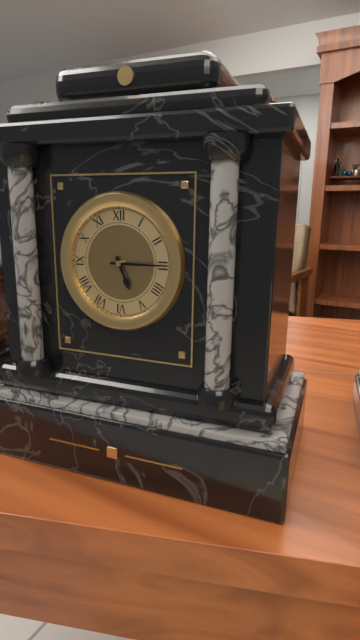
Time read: 5h15
